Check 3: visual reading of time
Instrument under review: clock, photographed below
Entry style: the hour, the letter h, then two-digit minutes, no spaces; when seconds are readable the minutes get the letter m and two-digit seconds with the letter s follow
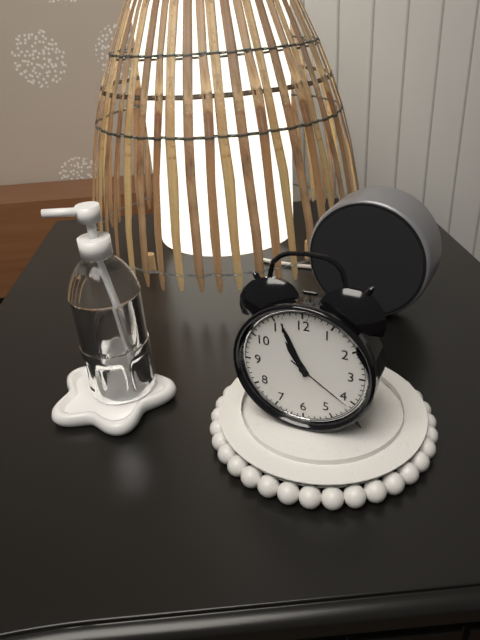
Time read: 10h56m21s
